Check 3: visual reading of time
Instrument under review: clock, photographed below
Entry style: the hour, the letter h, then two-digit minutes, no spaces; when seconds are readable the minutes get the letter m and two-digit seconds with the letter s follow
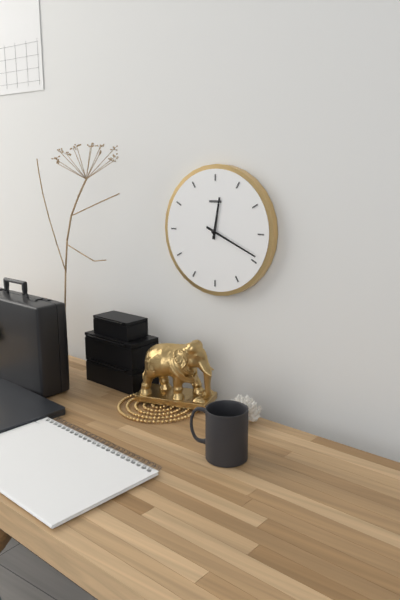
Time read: 12h19
